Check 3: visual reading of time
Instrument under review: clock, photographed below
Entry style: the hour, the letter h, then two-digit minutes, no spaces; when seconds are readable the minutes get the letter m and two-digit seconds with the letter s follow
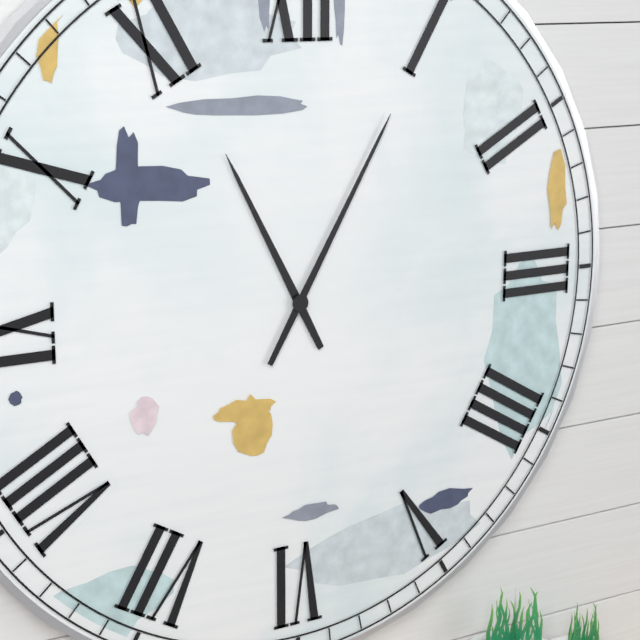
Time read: 11h05
